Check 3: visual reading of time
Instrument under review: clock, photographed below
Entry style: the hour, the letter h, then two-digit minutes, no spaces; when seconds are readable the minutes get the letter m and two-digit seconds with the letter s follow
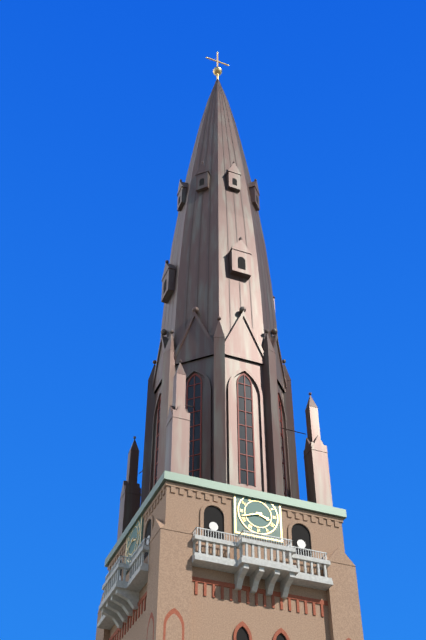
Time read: 3h42
